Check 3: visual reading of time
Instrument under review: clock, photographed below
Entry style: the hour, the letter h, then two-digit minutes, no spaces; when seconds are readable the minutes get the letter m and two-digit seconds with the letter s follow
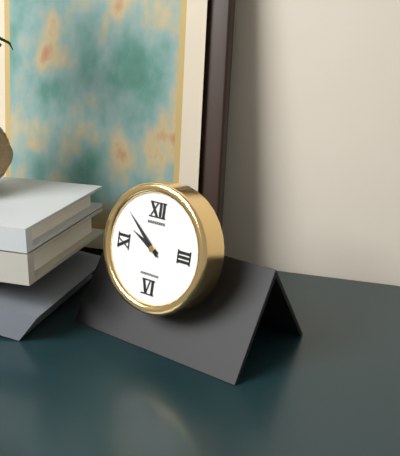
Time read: 9h52
